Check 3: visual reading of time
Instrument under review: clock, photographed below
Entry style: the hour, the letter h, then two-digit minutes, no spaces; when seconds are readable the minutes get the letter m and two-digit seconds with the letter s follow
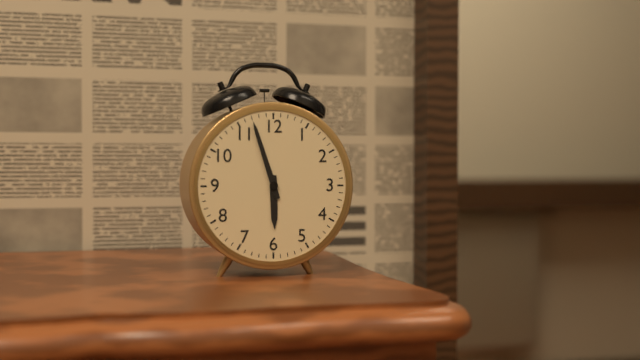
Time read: 5h57
